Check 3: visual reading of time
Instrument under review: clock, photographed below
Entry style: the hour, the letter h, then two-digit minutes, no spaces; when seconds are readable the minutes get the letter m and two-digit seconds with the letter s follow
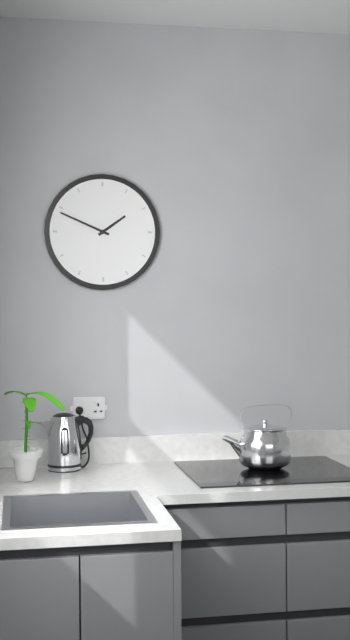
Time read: 1h49
